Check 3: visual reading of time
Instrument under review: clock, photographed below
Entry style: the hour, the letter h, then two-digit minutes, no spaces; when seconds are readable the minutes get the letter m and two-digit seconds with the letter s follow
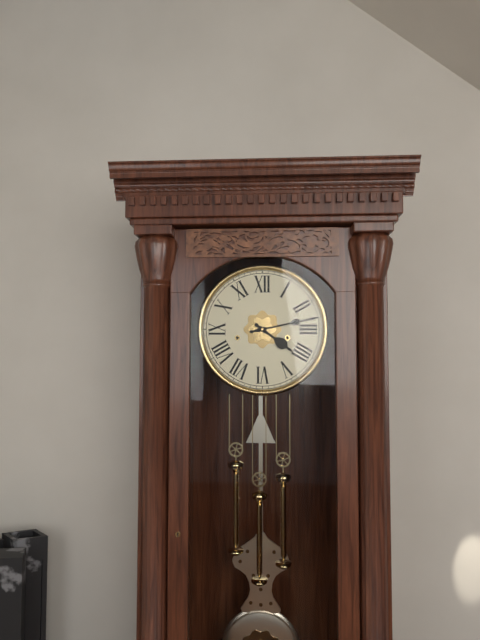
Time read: 4h13
